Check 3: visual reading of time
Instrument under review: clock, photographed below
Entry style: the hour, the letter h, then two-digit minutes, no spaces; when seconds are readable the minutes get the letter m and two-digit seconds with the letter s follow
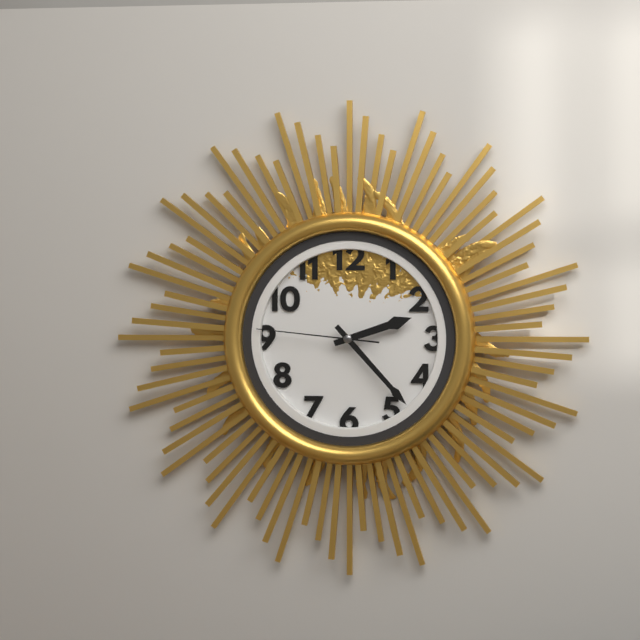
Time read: 2h23m46s
